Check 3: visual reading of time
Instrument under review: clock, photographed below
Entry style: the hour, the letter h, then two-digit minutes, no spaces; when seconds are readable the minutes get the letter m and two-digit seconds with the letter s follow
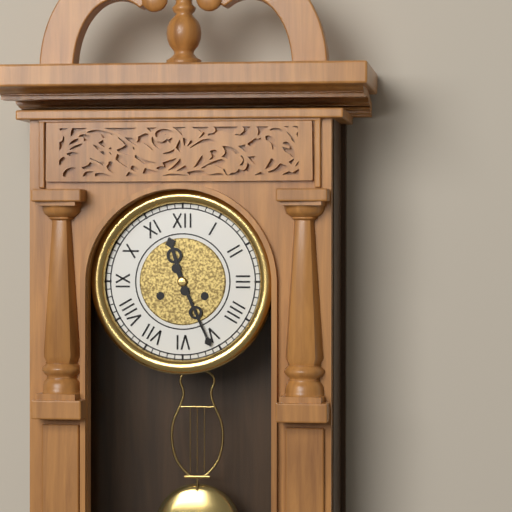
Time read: 11h26
